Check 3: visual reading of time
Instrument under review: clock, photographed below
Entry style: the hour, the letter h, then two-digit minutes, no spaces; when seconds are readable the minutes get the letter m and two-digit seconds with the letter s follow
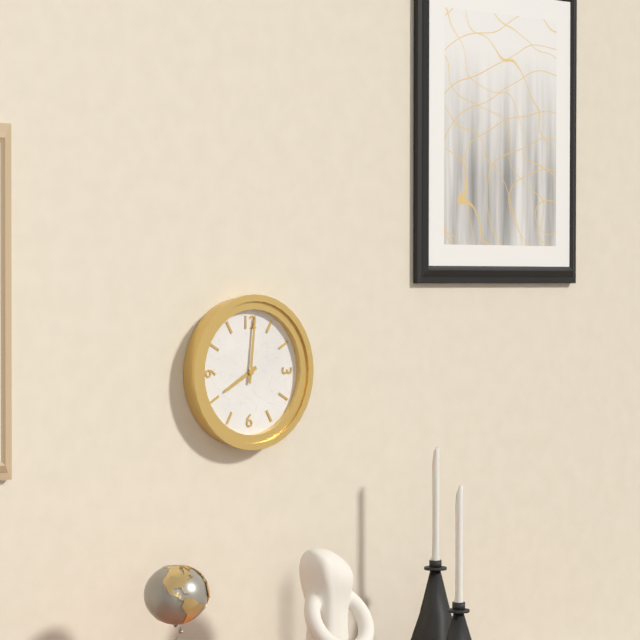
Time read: 8h01
